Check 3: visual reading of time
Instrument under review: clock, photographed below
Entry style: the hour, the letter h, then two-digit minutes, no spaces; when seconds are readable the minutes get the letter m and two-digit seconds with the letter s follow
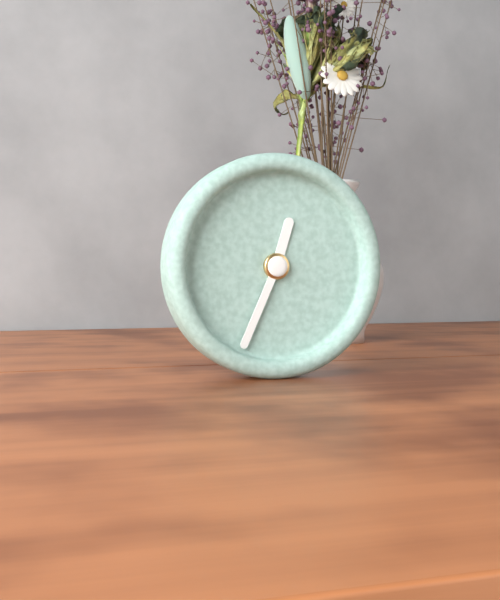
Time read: 12h34
